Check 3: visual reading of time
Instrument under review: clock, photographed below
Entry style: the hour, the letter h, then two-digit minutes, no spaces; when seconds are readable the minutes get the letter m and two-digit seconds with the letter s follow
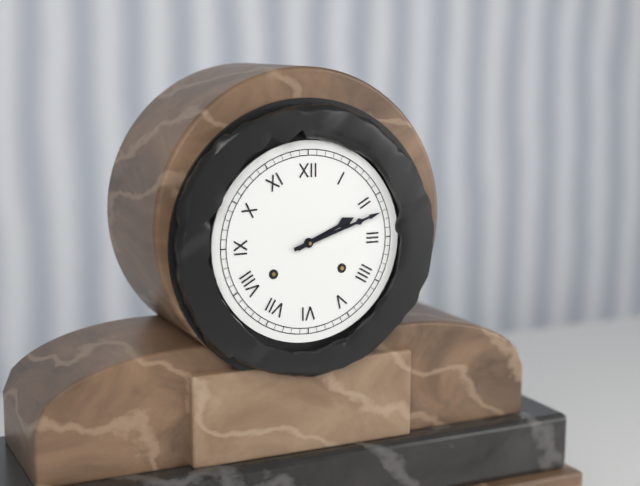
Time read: 2h12
